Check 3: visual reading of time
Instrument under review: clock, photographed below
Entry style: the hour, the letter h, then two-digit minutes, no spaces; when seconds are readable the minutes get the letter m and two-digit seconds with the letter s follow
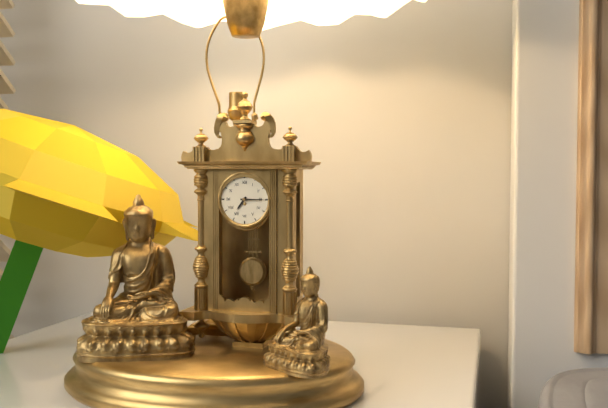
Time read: 7h15
